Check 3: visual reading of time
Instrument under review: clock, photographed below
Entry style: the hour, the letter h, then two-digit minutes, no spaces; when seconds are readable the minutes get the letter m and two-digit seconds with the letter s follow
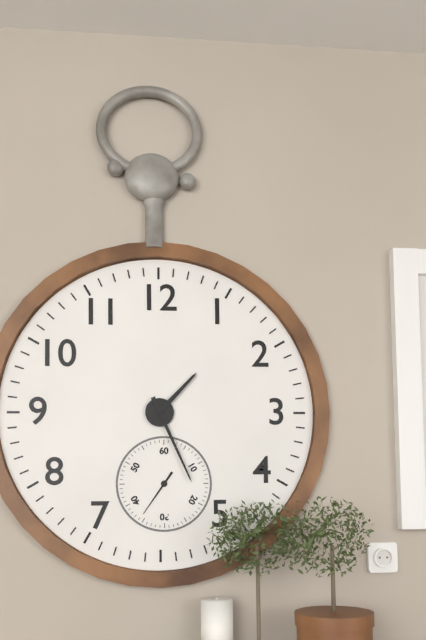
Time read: 1h26
